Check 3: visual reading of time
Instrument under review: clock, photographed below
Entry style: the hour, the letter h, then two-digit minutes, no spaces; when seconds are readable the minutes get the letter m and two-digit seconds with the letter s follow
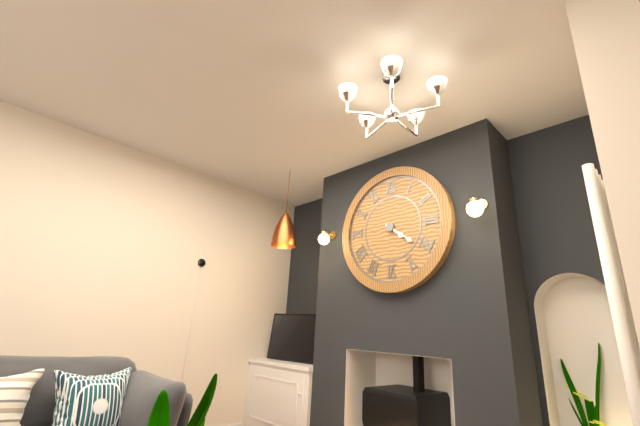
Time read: 4h21
